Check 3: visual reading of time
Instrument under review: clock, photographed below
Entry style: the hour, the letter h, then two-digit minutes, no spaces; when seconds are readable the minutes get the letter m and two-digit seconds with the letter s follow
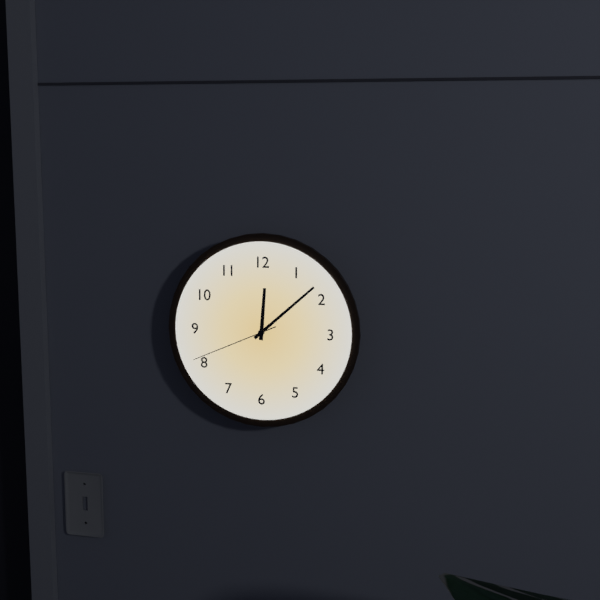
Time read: 12h08m41s
